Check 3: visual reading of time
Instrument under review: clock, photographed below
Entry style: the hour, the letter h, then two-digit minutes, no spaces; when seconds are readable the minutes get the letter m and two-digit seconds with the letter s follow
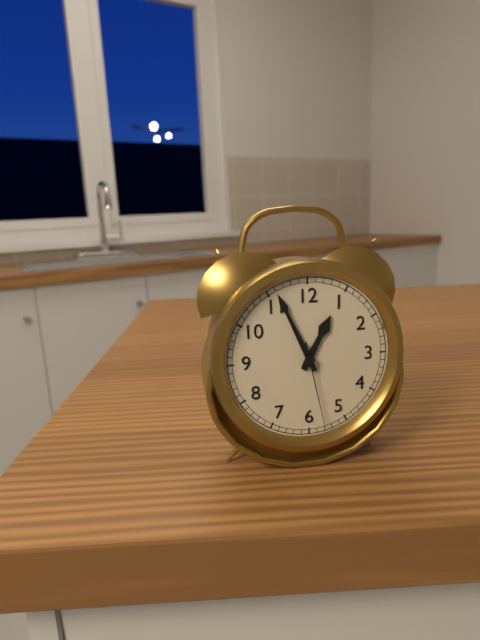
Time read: 12h56m28s
